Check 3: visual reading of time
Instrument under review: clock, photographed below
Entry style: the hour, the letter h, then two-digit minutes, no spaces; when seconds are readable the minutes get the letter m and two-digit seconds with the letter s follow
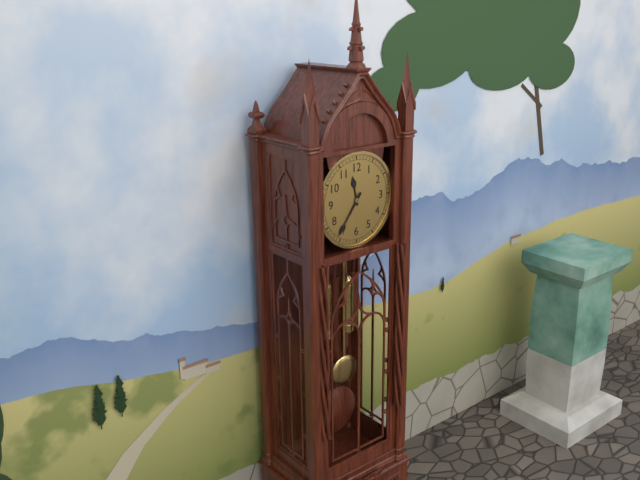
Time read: 11h36
